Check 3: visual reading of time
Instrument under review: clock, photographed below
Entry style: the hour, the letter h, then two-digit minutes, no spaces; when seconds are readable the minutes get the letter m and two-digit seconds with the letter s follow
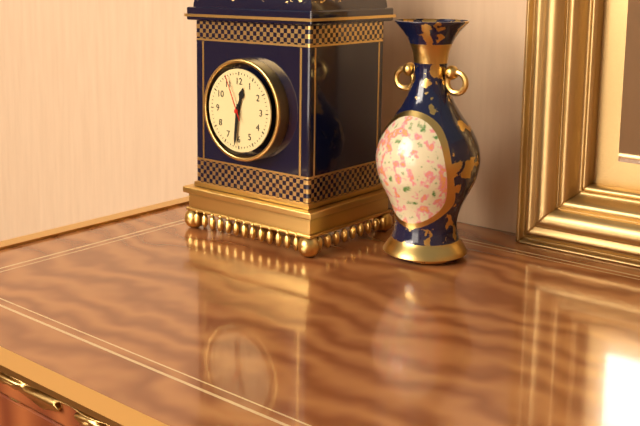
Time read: 12h31
